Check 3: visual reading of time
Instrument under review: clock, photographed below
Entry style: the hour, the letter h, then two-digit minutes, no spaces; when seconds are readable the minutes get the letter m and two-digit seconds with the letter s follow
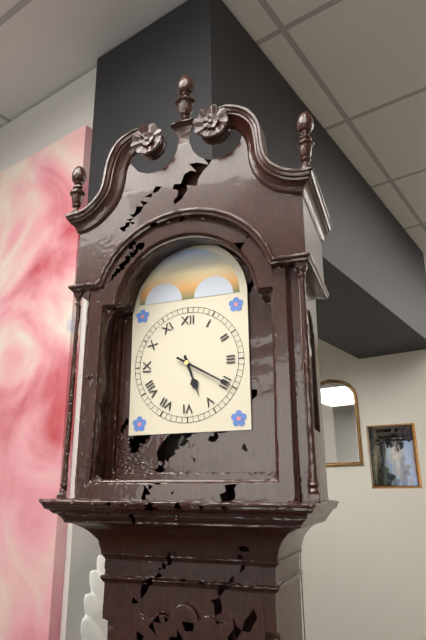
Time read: 5h20
